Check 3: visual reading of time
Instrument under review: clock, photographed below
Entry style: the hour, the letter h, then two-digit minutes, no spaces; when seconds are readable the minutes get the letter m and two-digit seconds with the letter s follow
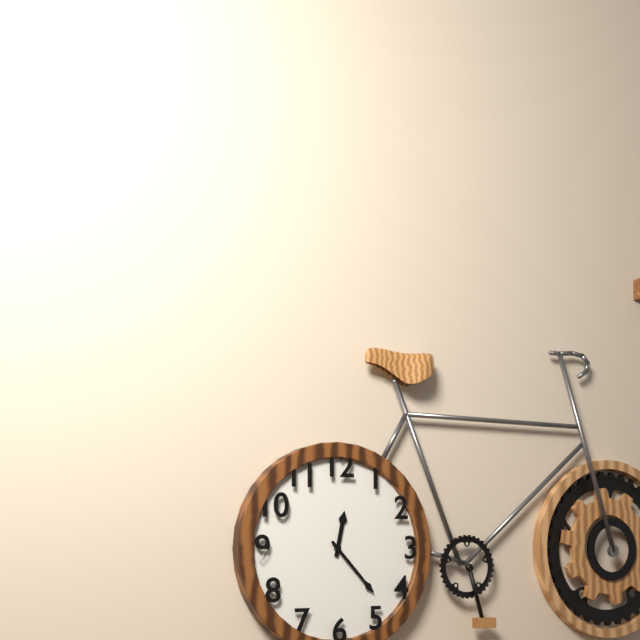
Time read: 12h23
